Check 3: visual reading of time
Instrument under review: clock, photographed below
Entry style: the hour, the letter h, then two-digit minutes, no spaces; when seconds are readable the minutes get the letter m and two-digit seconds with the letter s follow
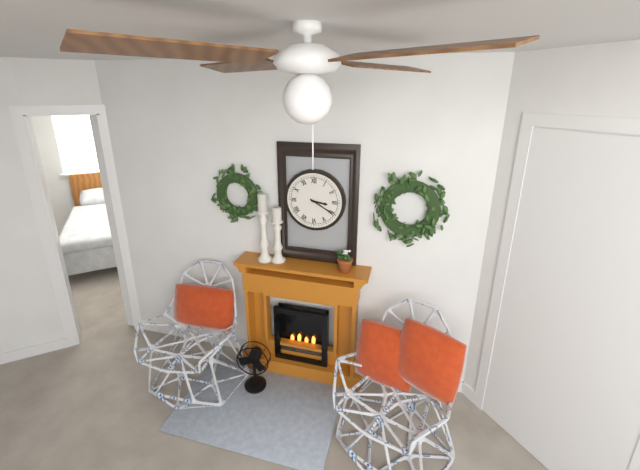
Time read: 3h20
